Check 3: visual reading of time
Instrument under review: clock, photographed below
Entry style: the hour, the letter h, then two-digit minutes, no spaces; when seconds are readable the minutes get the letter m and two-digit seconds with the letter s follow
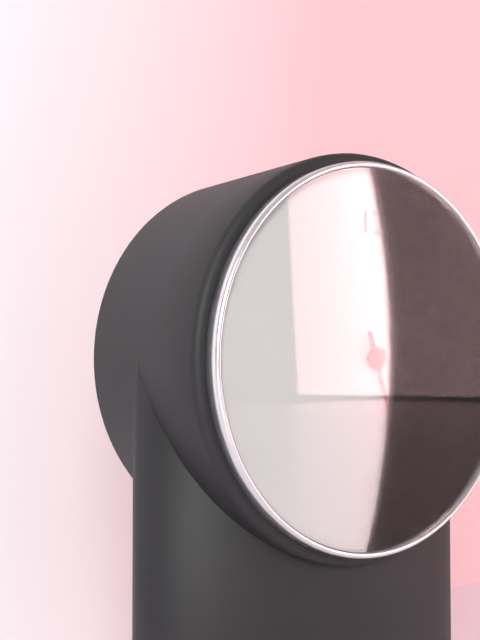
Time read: 2h05m27s
